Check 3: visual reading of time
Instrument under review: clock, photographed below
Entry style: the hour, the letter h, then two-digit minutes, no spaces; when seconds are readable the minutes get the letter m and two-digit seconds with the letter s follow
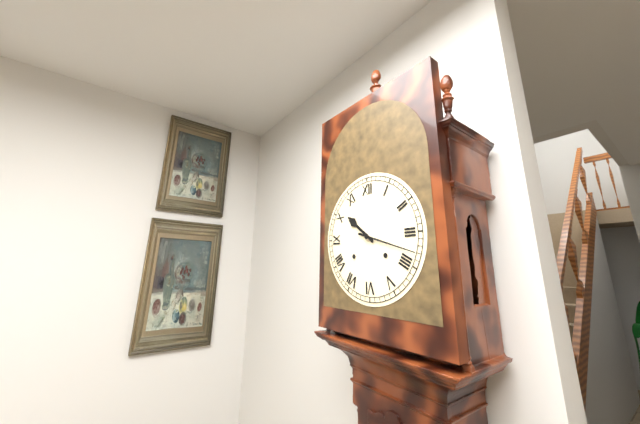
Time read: 10h18
